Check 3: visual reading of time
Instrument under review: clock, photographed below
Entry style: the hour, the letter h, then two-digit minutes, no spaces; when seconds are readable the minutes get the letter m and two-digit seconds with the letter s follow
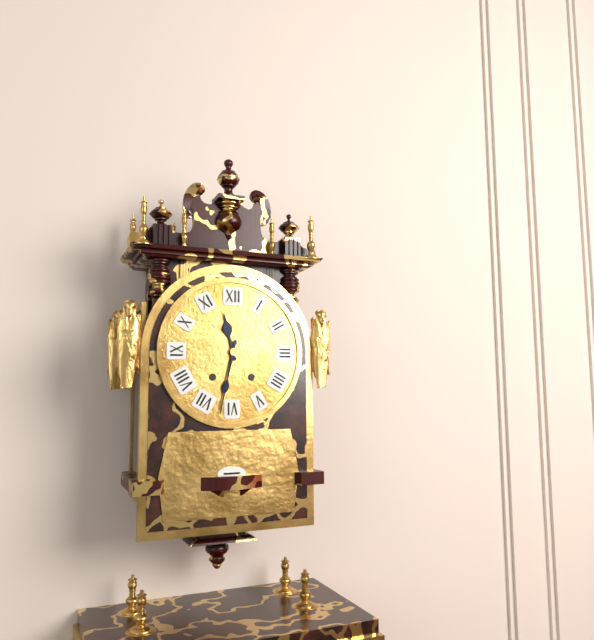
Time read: 11h32
